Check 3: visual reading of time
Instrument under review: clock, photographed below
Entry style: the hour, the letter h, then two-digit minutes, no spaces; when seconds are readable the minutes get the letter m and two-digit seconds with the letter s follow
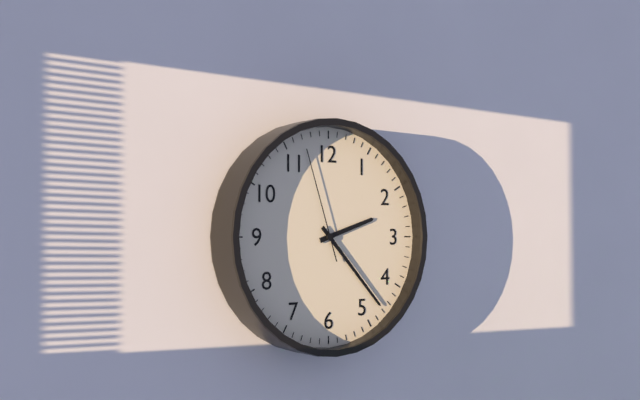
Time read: 2h23m57s
